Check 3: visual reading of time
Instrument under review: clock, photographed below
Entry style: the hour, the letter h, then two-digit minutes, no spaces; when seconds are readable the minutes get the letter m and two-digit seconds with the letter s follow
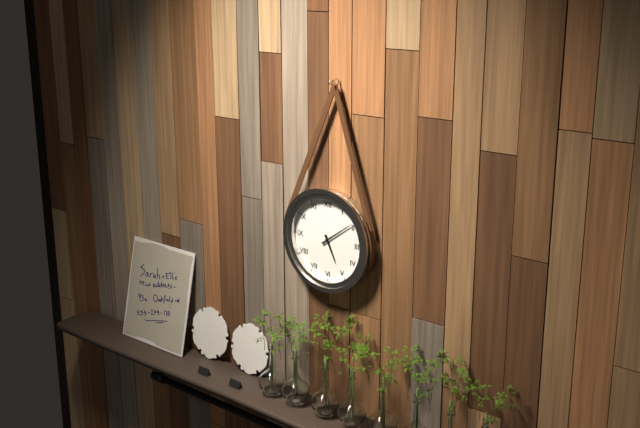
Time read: 5h09
